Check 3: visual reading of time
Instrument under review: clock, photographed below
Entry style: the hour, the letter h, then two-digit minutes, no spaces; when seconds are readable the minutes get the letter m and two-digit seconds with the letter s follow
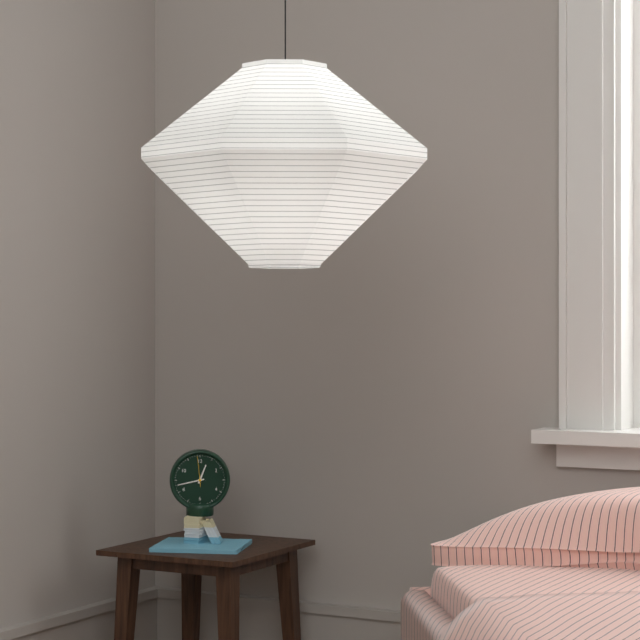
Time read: 12h43
